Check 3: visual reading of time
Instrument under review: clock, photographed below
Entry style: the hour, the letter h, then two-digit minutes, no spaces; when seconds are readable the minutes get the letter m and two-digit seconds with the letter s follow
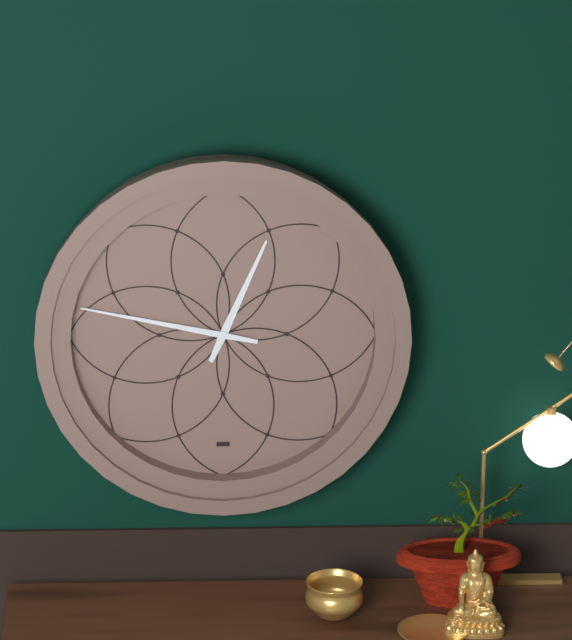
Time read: 12h47
